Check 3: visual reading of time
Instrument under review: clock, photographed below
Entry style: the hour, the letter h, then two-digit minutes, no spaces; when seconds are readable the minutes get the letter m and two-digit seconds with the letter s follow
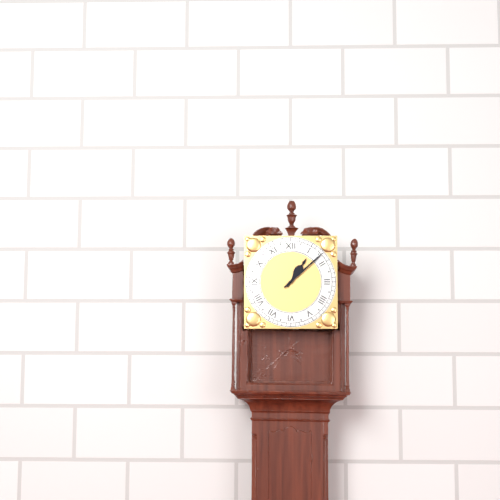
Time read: 1h08
